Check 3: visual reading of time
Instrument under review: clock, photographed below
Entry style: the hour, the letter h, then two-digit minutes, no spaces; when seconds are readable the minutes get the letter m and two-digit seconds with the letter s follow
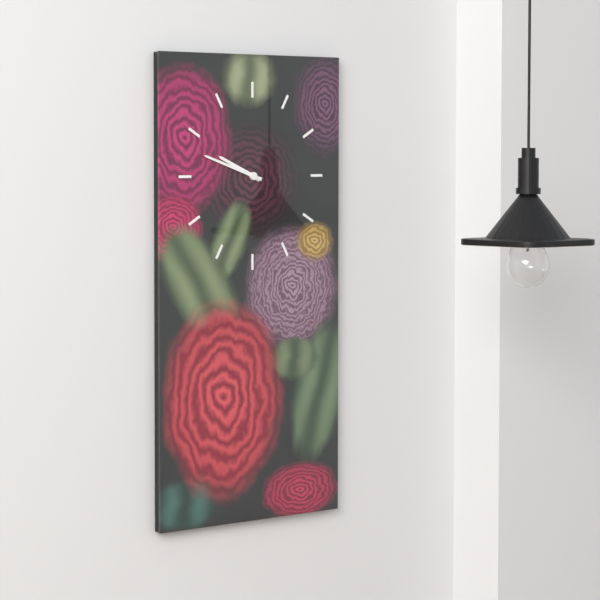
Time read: 9h48
